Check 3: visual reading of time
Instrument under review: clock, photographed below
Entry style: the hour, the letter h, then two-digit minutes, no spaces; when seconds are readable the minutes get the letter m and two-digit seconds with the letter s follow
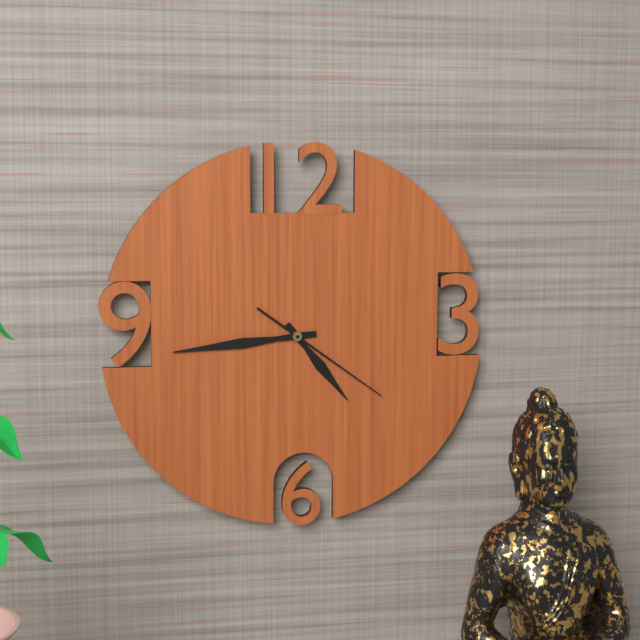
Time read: 4h44m21s
